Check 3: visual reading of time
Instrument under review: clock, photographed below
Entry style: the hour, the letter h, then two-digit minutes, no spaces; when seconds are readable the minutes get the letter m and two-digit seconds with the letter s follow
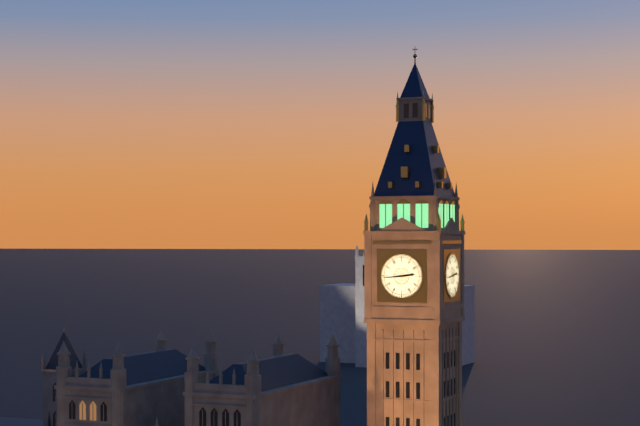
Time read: 2h44
